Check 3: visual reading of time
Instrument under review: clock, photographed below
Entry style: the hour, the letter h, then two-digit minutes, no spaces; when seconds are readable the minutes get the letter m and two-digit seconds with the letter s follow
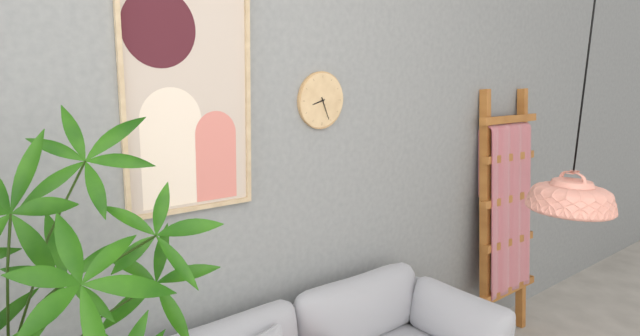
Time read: 8h26
